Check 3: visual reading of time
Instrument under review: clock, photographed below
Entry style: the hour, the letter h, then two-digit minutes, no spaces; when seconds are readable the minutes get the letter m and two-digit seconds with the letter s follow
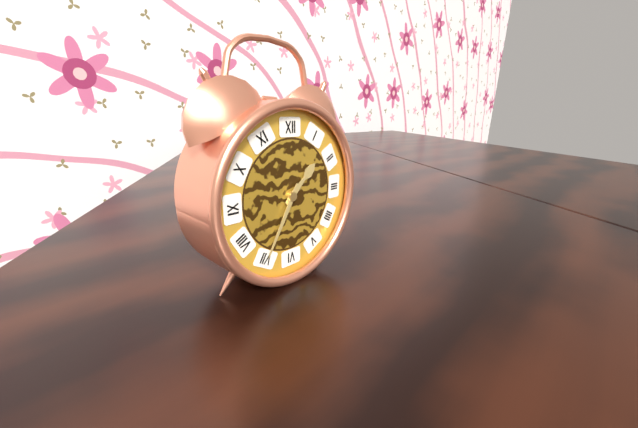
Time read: 1h35
